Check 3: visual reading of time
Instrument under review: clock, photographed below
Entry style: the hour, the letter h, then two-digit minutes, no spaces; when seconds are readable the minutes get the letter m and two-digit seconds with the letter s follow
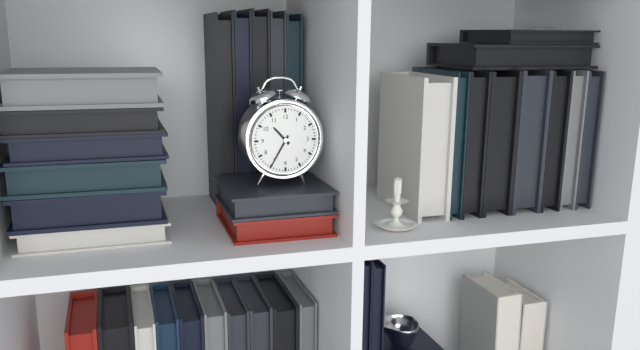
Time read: 10h35
